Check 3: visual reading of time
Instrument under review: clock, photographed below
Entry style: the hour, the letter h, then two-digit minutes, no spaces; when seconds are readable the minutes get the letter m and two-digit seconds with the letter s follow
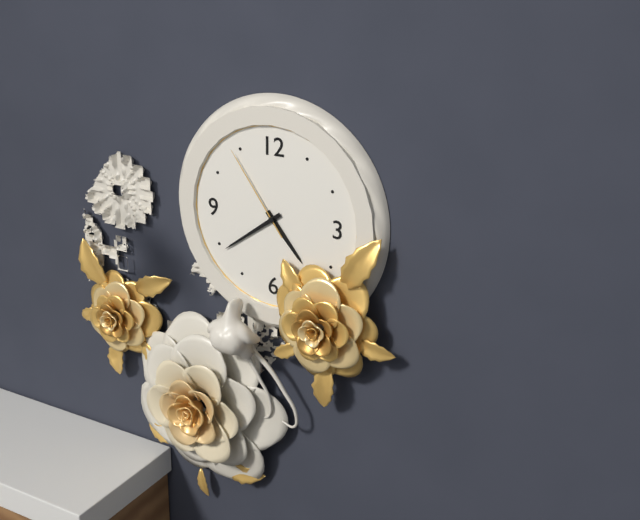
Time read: 4h39m54s
